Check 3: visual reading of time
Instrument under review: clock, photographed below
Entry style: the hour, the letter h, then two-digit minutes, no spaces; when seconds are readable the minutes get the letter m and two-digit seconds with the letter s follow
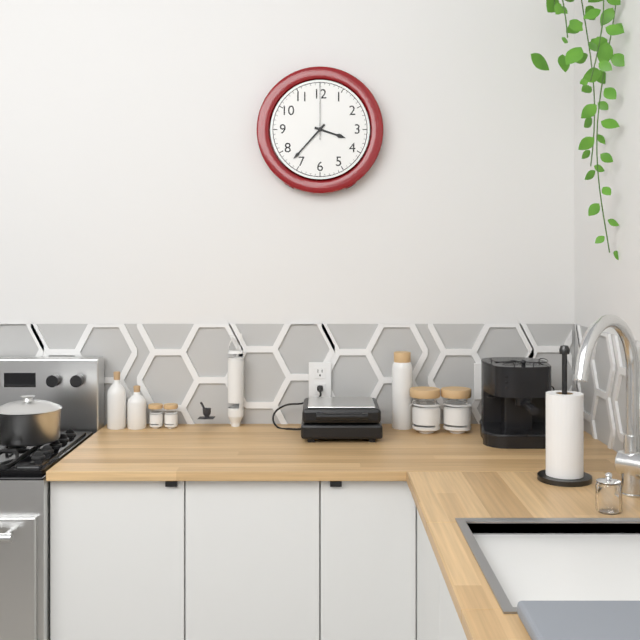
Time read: 3h37m00s
